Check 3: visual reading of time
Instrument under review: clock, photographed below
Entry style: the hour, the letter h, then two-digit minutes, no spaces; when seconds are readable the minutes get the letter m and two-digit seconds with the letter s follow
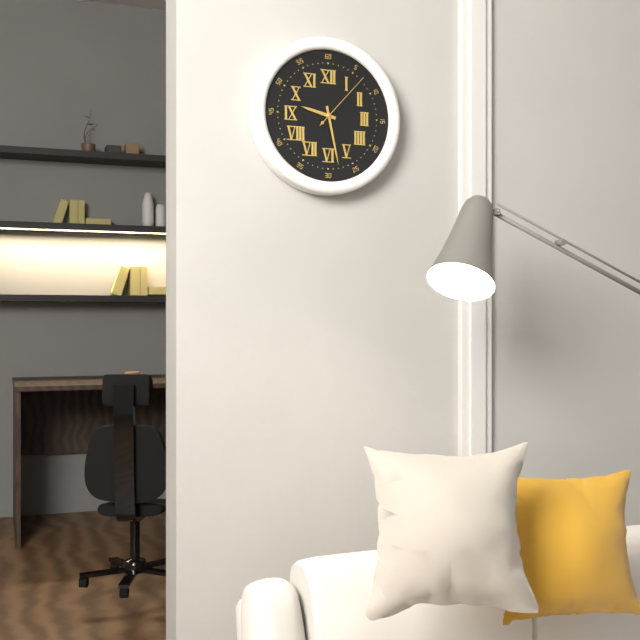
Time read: 9h28m07s
